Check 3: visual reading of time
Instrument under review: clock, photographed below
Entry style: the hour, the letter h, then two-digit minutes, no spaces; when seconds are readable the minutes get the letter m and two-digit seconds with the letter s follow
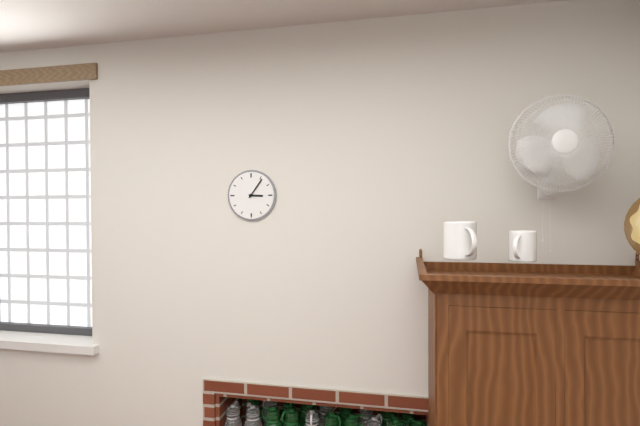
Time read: 3h06
